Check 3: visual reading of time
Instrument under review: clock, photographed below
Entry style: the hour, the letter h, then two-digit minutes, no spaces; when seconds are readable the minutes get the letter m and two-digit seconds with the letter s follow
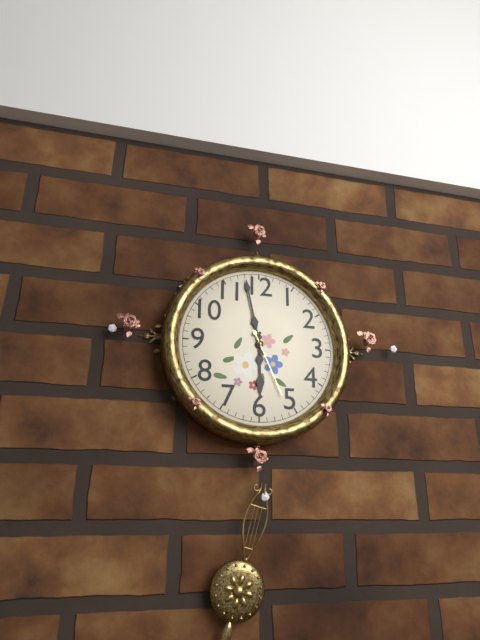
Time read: 5h58m26s
